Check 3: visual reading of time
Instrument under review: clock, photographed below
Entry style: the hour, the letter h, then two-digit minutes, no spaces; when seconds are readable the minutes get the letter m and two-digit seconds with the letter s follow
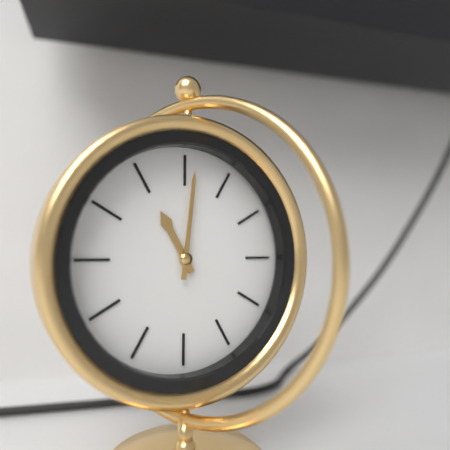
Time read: 11h01
